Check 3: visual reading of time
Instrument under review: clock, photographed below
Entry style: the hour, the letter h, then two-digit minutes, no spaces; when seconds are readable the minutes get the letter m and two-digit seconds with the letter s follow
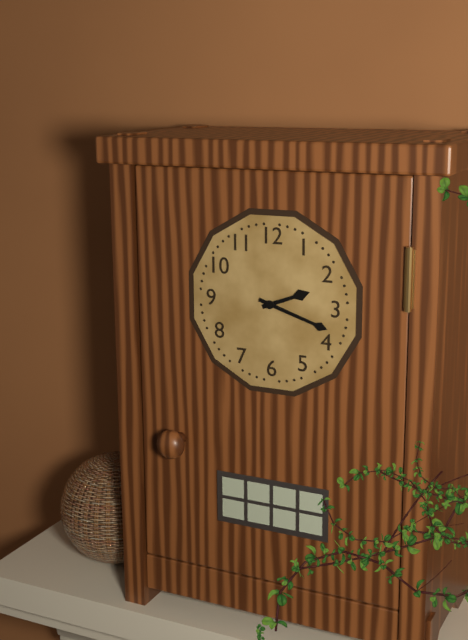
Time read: 2h18
